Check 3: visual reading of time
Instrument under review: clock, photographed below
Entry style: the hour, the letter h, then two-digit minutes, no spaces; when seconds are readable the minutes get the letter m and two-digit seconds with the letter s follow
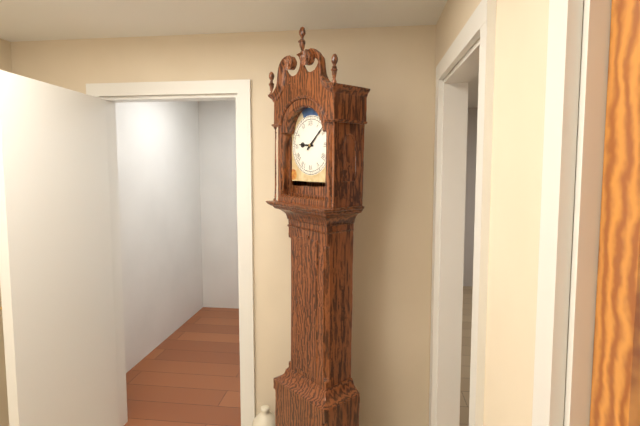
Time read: 9h08
